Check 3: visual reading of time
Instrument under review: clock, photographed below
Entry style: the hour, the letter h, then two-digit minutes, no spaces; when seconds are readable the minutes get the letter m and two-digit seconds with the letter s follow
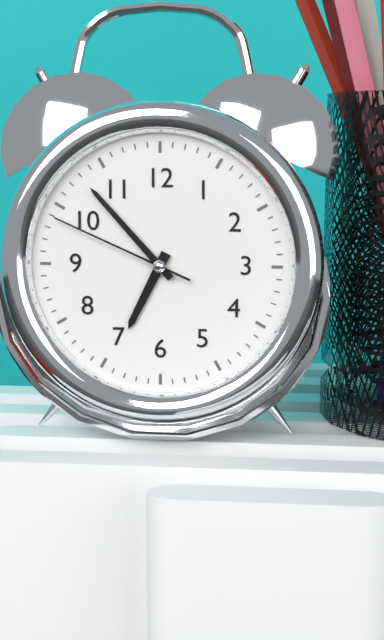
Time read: 6h53m49s
